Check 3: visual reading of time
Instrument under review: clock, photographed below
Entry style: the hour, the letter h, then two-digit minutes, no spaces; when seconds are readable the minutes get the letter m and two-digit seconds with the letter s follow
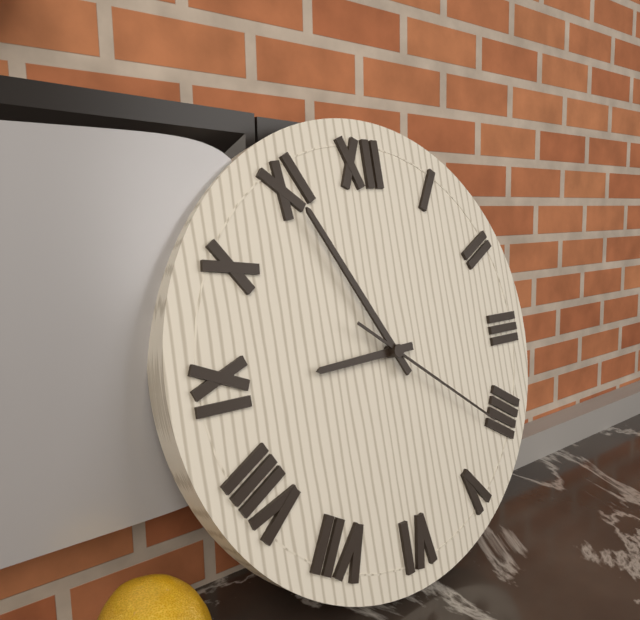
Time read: 8h55m21s
